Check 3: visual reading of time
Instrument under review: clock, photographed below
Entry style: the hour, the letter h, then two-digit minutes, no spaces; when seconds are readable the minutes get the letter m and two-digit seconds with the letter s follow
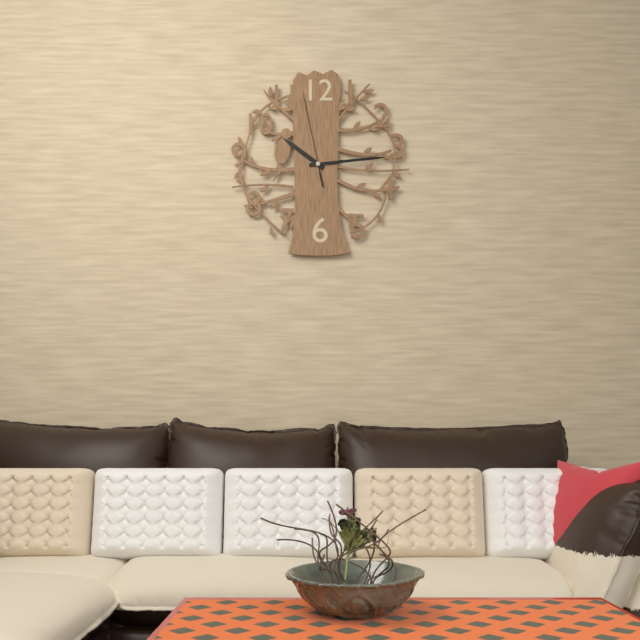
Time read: 10h14m58s
